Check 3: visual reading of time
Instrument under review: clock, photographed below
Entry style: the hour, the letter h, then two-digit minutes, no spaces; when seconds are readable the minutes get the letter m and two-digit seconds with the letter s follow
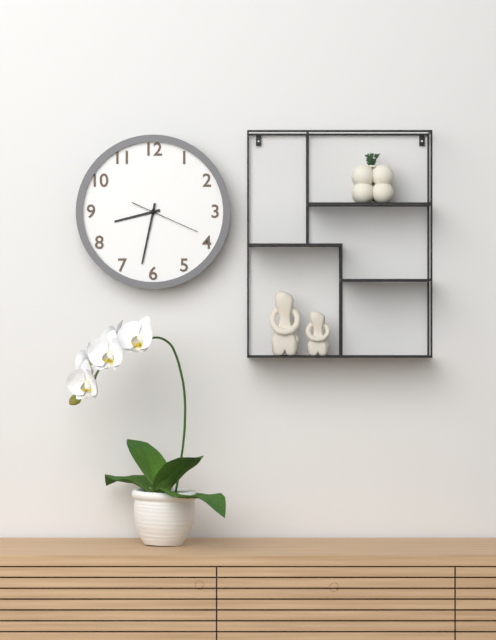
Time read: 8h32m19s
